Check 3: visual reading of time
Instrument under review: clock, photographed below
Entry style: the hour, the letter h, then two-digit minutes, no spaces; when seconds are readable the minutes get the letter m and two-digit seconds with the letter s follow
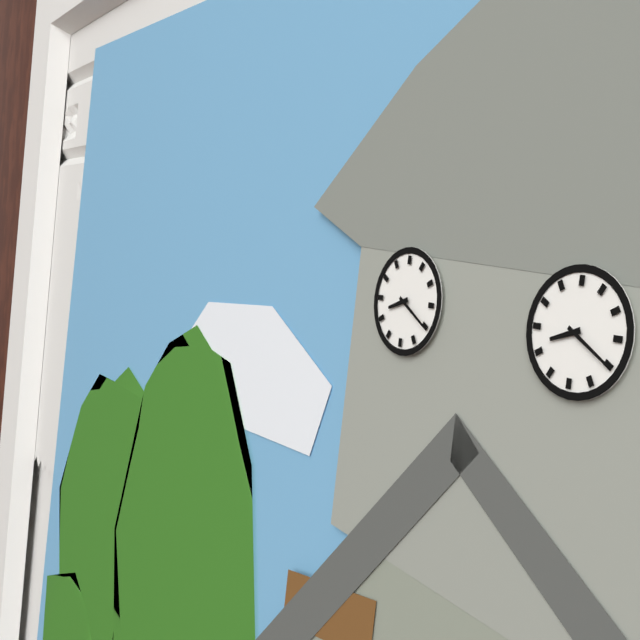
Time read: 8h20
